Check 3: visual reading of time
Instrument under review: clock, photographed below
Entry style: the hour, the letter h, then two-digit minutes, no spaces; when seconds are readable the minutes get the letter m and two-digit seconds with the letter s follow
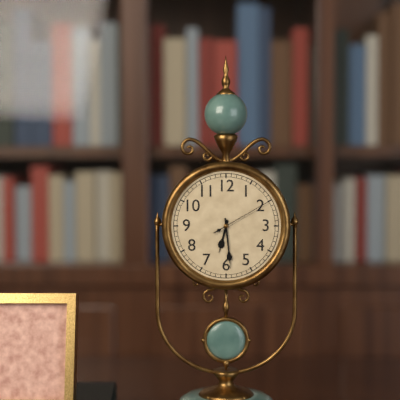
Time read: 6h29m10s
